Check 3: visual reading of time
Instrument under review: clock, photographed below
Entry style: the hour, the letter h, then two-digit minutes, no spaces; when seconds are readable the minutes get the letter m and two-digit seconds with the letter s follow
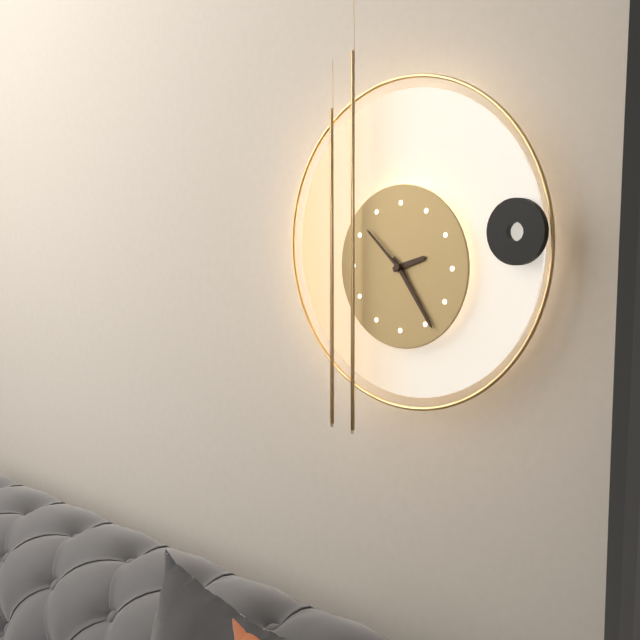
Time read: 2h24m52s
